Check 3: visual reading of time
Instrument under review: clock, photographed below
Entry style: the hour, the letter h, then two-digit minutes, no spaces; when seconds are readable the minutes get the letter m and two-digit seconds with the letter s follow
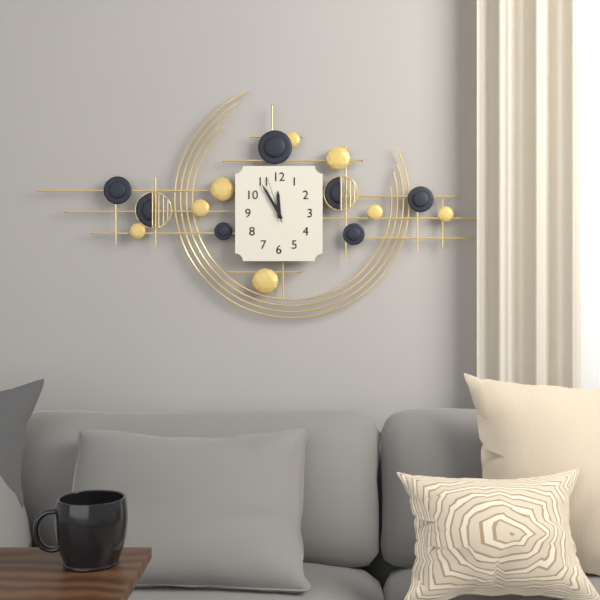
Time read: 11h55
